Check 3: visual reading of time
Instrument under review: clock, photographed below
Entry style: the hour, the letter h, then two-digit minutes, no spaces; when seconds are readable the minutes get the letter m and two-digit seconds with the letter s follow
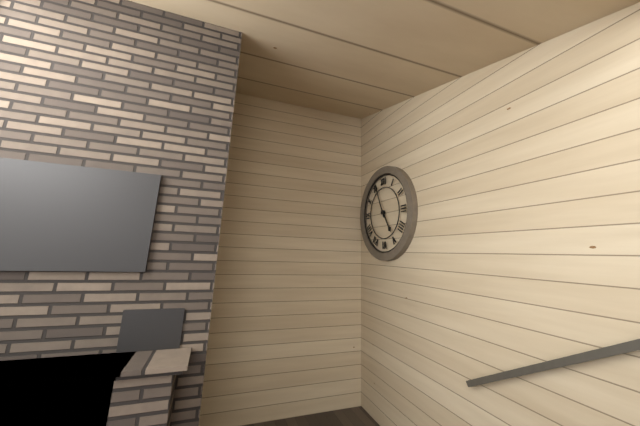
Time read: 4h56
